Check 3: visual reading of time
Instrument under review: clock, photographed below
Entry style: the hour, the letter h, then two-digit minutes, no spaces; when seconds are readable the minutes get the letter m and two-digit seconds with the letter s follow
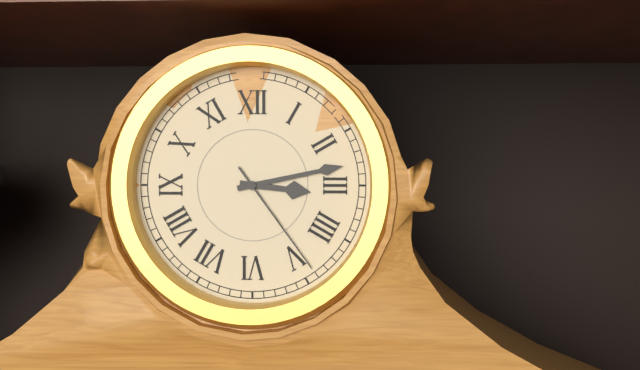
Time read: 3h13m24s
